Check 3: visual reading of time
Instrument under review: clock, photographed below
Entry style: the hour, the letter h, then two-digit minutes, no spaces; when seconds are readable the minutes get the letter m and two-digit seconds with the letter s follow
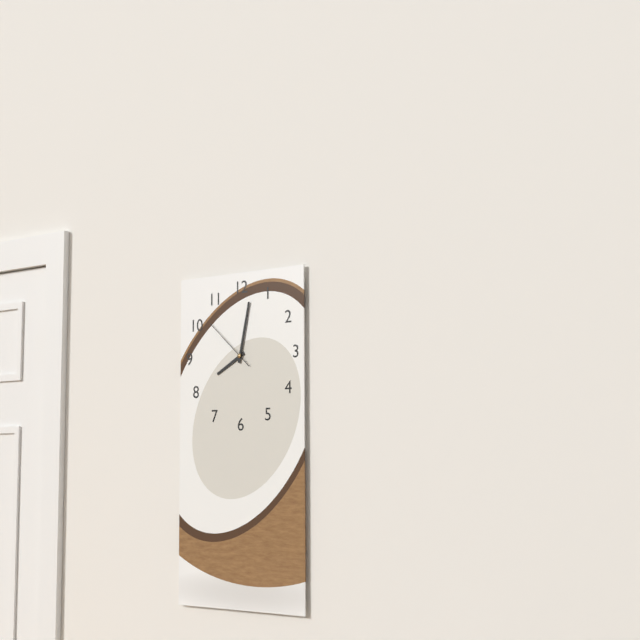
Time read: 8h02m52s
